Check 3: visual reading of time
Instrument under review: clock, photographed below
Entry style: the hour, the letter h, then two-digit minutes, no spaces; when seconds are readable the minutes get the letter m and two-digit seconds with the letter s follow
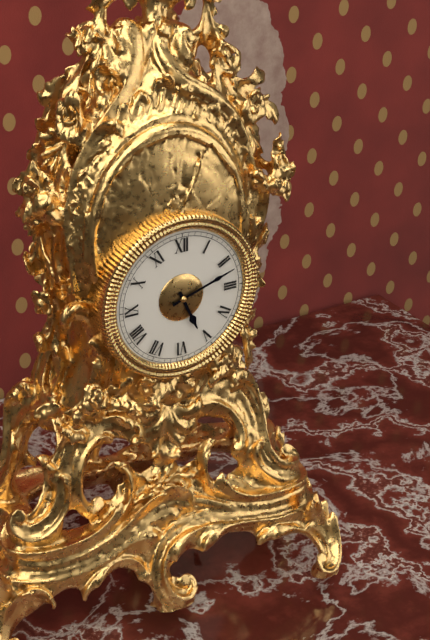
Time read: 5h12
